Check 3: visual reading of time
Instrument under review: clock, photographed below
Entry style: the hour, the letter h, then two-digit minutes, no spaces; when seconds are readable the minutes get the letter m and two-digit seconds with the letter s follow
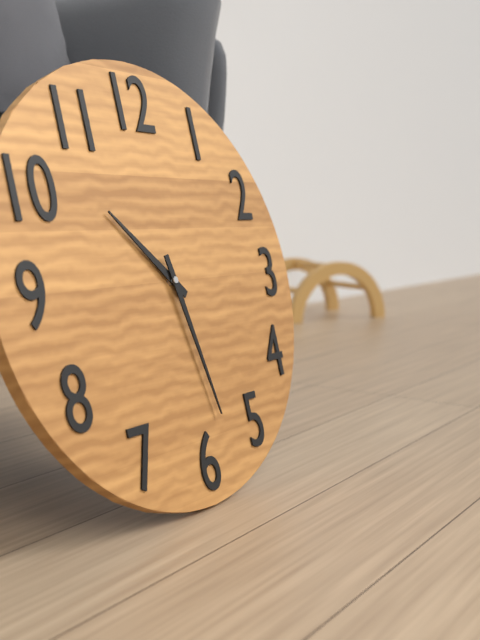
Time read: 10h28
